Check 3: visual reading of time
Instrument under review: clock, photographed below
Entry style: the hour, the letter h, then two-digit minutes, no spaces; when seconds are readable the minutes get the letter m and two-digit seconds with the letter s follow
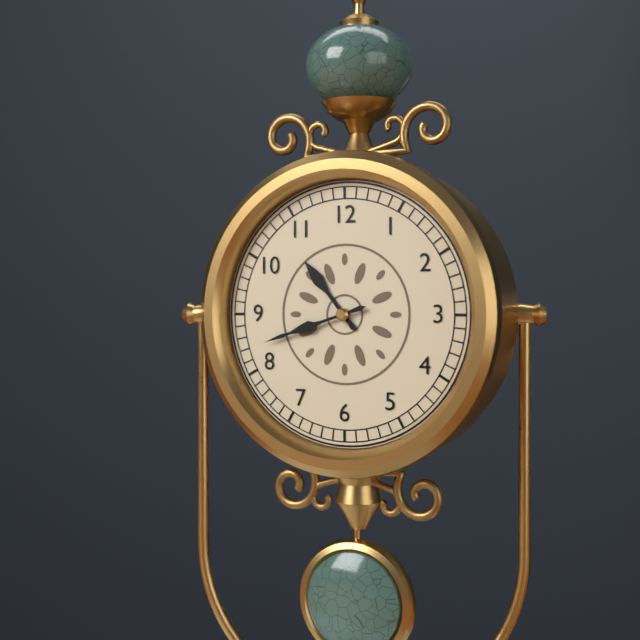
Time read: 10h42
